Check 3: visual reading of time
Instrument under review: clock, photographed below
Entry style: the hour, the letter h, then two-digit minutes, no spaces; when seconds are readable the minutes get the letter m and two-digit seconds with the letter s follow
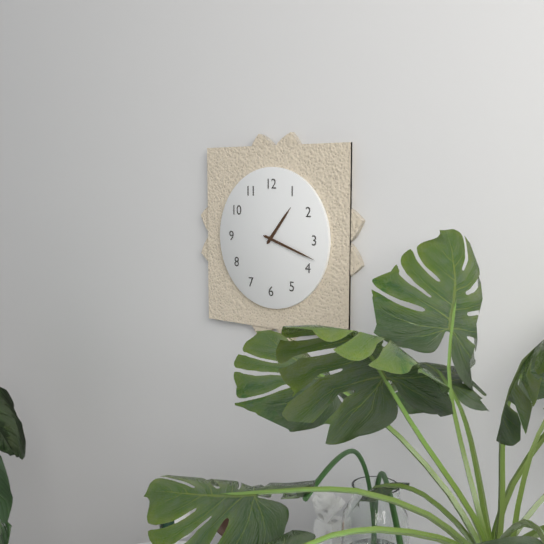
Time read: 1h18
